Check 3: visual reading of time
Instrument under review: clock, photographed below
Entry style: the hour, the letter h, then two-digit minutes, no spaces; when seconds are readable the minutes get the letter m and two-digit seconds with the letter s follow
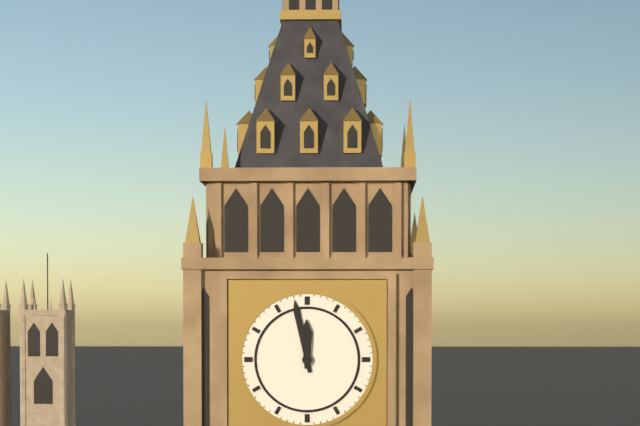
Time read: 11h58
